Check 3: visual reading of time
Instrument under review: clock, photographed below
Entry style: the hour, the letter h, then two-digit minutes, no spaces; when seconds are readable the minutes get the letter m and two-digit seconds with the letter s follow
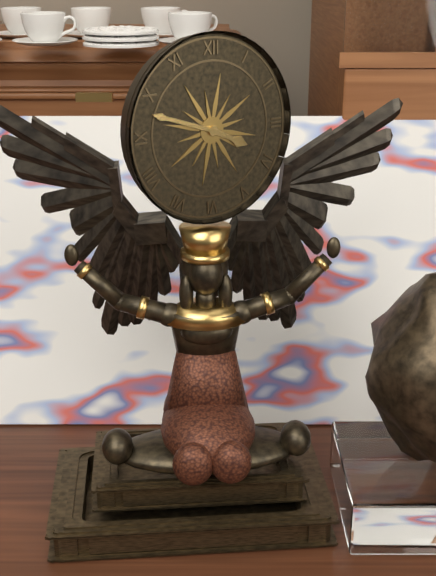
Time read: 3h48
